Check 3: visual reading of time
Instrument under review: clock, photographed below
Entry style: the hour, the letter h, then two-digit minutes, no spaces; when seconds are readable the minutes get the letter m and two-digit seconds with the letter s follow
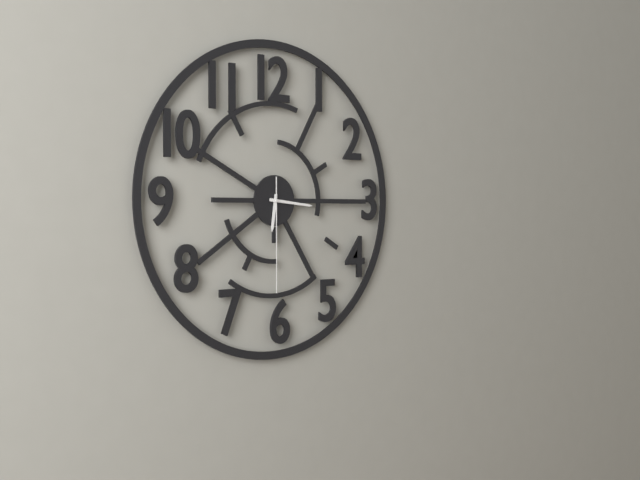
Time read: 6h16m30s
